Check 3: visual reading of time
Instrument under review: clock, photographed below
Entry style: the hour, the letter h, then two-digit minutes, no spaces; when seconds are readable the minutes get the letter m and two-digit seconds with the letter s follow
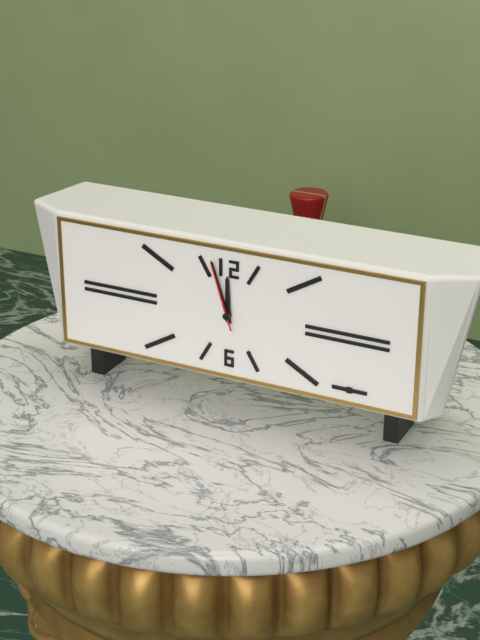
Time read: 11h57m57s
